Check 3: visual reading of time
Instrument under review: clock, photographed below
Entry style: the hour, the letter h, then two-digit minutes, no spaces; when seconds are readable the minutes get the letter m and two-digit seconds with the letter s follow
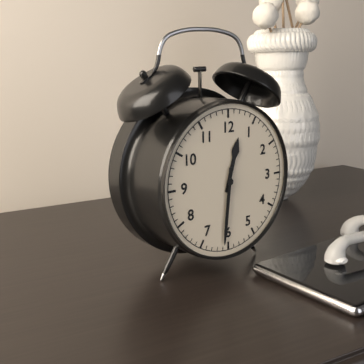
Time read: 12h31
